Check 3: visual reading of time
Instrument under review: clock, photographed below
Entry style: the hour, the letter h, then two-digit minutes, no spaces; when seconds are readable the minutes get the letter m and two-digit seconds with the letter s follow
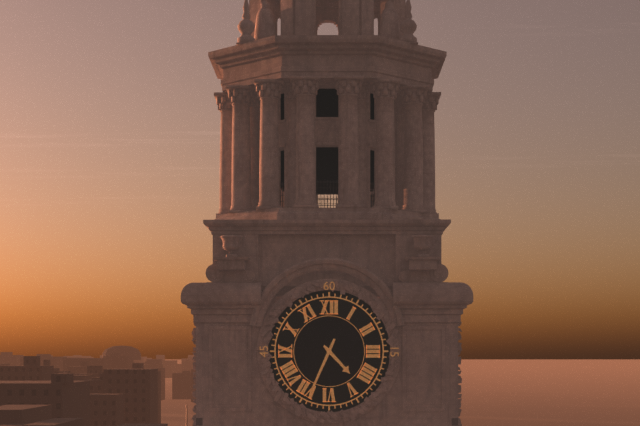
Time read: 4h34
